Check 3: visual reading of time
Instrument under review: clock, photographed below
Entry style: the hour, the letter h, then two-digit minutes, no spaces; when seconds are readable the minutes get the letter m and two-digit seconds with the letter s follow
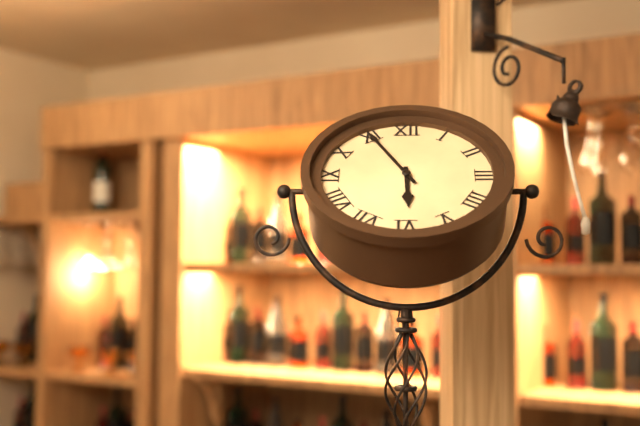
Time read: 5h55
